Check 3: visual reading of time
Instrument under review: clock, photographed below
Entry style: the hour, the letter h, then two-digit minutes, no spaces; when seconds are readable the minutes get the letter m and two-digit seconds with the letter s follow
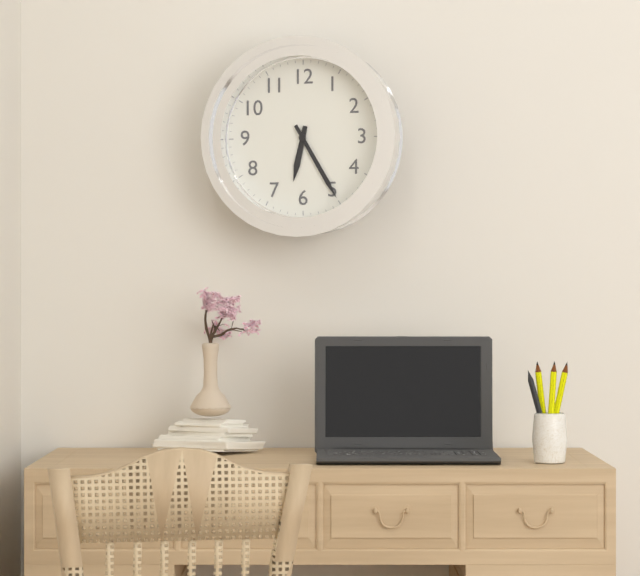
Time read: 6h25
